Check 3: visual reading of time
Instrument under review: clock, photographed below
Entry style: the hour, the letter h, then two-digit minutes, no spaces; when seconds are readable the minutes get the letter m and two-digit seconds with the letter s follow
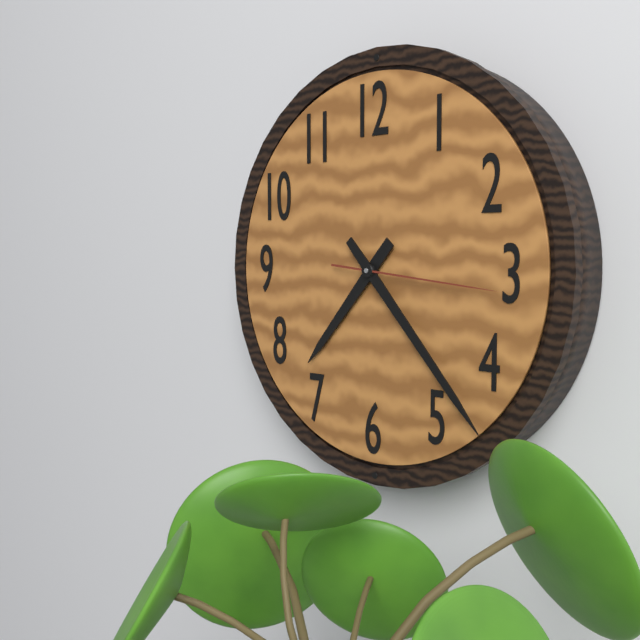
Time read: 7h23m16s
